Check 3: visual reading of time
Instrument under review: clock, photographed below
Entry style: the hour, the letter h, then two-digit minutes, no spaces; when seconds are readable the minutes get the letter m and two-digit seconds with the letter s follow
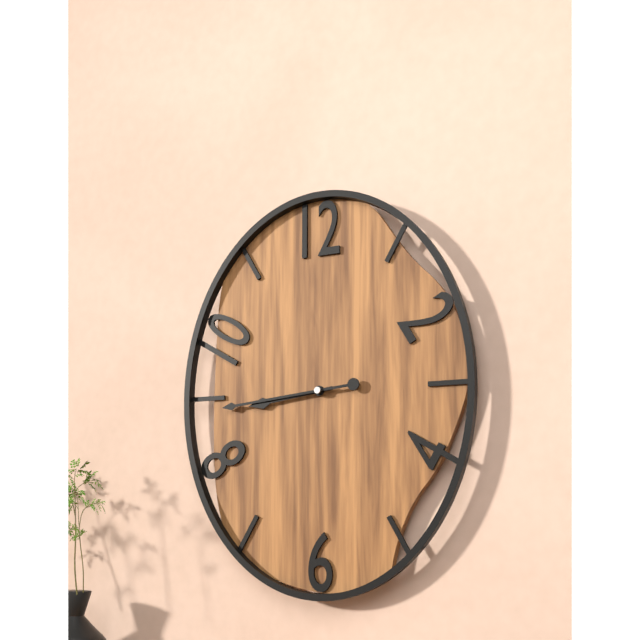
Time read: 8h44
